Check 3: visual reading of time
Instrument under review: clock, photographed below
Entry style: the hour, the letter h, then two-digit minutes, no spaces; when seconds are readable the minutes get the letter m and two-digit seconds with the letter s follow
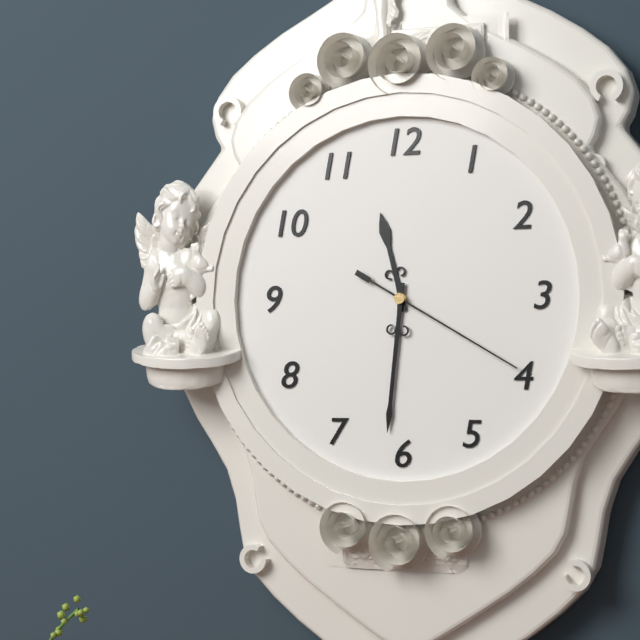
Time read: 11h31m20s
